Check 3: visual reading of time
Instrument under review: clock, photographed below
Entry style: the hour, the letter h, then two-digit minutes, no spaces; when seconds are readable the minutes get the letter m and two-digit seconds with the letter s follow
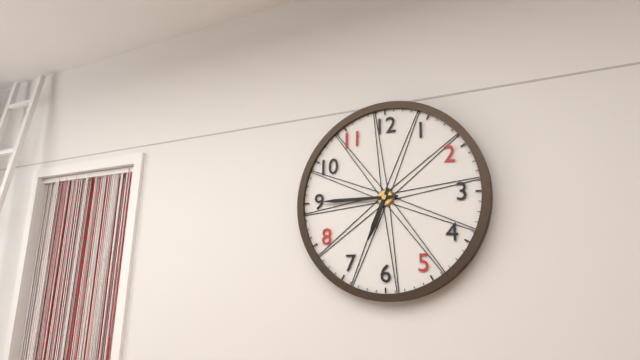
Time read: 6h45
